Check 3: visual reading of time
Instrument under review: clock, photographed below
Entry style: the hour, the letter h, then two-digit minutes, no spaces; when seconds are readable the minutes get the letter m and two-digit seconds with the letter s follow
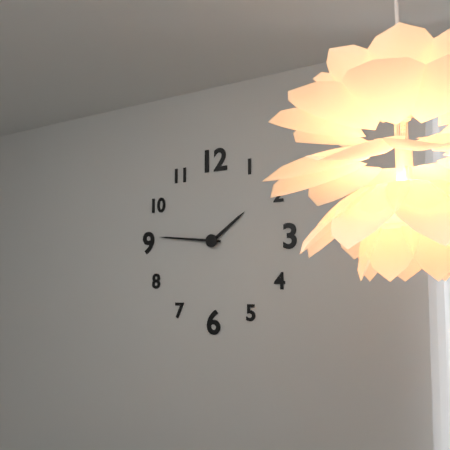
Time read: 1h46
